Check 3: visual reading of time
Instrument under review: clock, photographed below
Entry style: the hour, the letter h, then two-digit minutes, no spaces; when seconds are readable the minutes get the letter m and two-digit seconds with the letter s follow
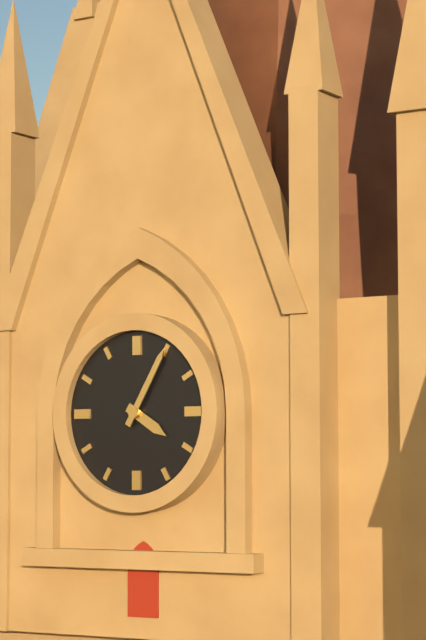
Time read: 4h05
